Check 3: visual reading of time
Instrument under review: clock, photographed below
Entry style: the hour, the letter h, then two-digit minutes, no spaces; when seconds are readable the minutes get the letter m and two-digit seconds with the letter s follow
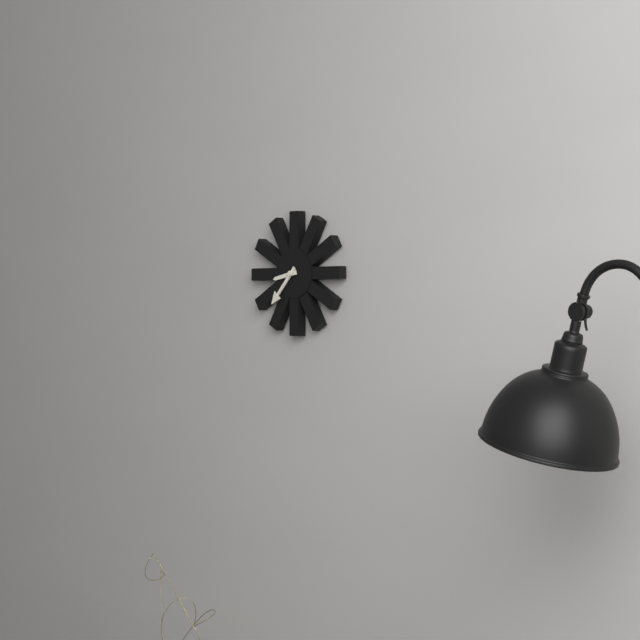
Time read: 8h37
